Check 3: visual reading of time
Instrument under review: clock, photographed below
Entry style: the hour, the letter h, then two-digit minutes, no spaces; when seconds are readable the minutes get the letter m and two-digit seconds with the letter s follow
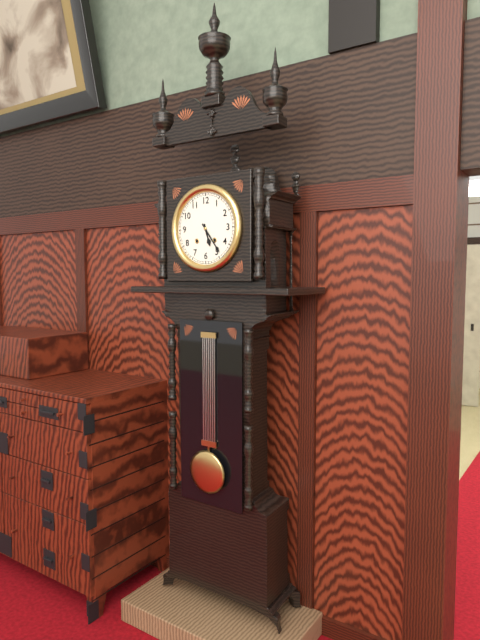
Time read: 5h24
